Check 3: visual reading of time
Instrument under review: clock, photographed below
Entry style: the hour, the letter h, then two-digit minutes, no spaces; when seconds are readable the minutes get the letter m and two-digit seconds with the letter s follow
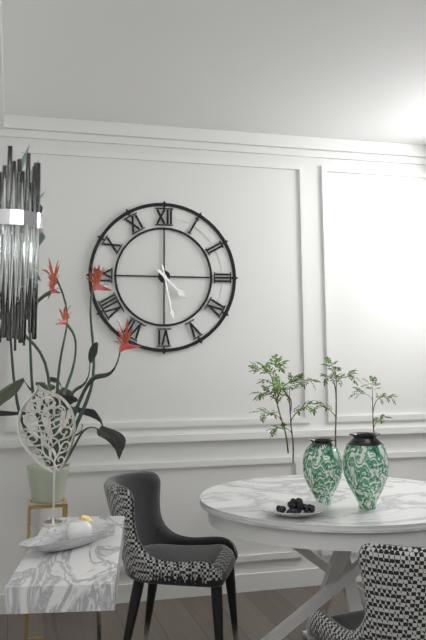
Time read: 4h28
